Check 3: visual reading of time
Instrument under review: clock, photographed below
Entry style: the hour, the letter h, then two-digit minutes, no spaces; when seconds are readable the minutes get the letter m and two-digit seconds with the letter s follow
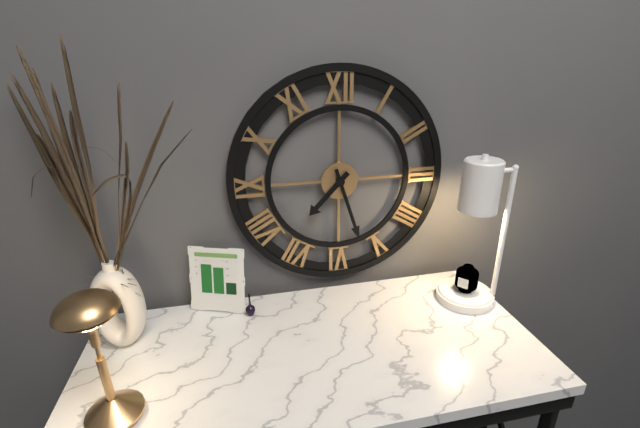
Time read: 7h27
